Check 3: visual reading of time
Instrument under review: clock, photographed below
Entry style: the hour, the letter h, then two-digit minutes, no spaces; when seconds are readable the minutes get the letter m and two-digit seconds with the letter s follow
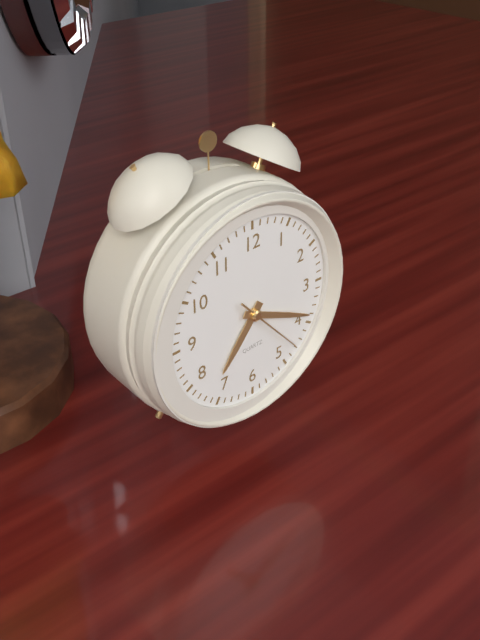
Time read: 7h19m23s
